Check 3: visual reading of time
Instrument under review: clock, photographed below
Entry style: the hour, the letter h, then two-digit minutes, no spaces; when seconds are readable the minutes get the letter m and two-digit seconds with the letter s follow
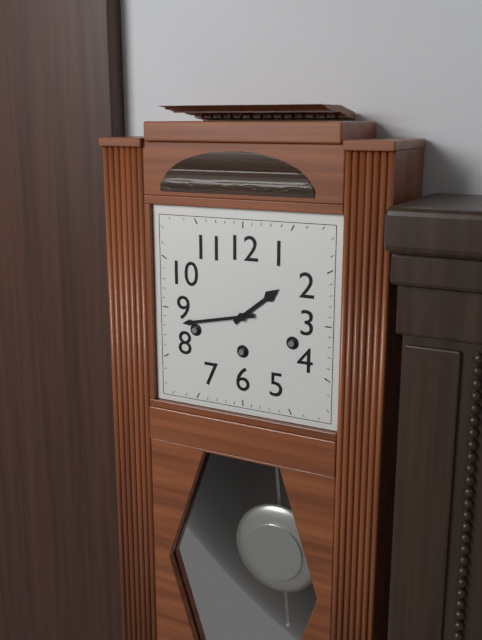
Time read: 1h43
